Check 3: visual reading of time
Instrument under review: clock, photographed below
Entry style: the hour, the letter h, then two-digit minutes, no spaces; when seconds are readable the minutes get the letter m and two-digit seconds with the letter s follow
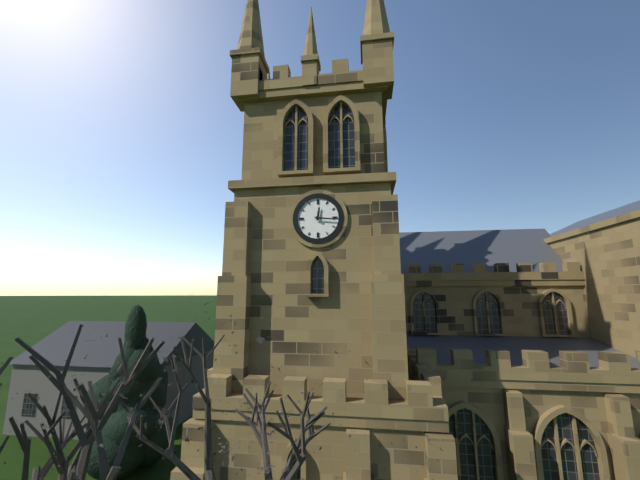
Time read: 12h16
